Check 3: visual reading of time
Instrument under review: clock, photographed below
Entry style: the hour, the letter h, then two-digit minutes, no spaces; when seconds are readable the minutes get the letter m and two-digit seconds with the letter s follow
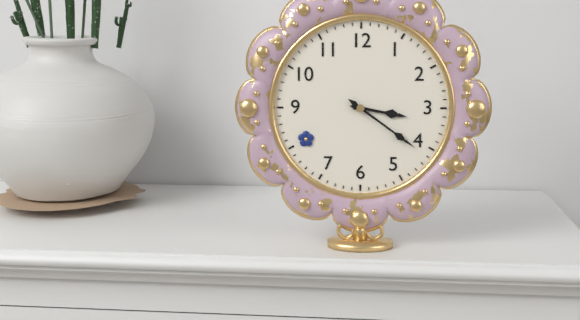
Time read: 3h21
